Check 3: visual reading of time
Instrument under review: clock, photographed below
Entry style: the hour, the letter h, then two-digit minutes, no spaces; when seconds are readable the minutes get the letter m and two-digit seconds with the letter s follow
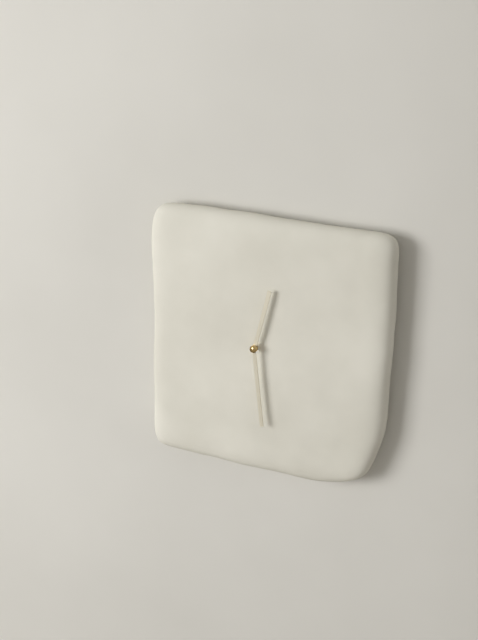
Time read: 12h29
